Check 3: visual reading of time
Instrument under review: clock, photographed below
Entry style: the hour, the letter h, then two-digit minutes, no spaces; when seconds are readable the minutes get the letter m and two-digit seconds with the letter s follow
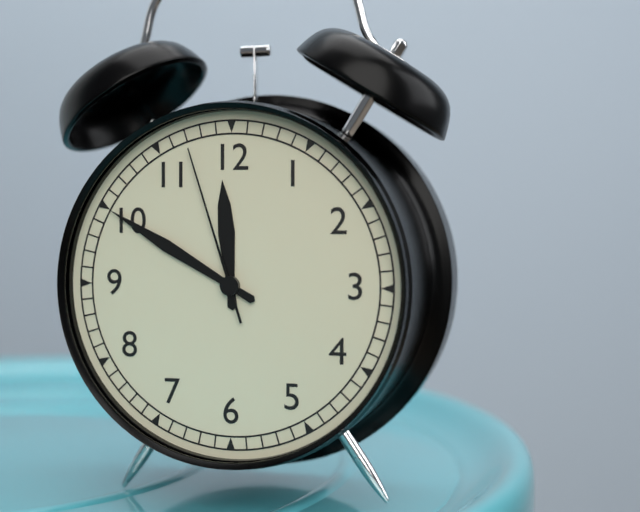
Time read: 11h50m57s
